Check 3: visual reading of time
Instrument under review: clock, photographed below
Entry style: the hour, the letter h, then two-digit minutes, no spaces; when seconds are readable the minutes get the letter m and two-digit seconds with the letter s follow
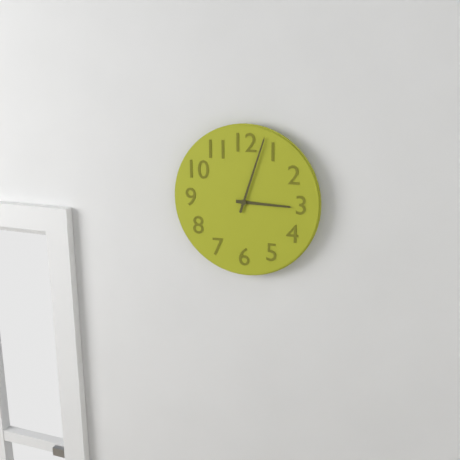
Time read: 3h03
